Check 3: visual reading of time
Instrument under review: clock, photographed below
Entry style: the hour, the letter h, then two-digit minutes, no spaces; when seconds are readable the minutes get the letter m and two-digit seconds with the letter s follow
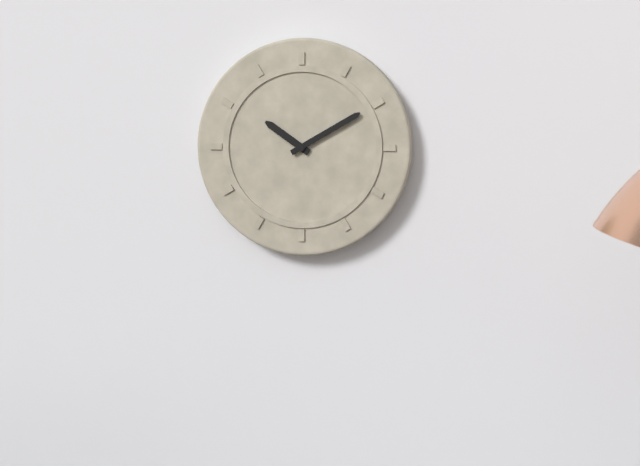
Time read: 10h10
